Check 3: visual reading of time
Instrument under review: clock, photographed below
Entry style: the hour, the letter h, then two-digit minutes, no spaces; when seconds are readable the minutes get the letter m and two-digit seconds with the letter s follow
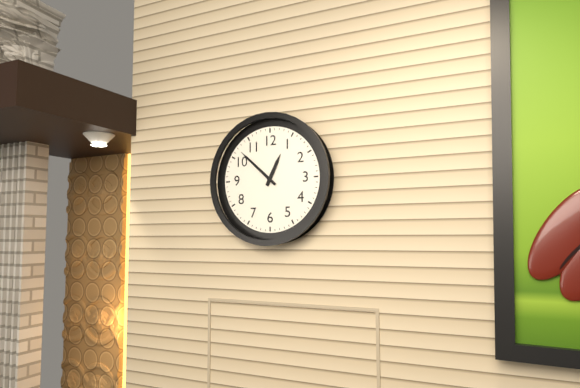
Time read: 12h52
